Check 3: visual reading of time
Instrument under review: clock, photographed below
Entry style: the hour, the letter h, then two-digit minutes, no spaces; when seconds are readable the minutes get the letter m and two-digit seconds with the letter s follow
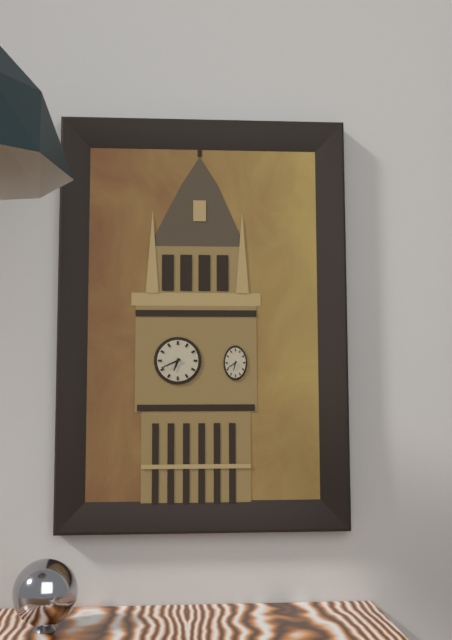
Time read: 6h41
